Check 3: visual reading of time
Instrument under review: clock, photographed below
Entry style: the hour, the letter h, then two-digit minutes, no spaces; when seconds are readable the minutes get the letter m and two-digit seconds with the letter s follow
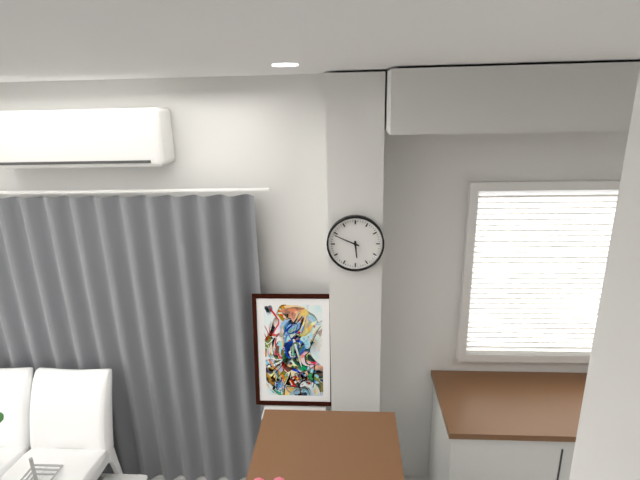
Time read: 5h49
